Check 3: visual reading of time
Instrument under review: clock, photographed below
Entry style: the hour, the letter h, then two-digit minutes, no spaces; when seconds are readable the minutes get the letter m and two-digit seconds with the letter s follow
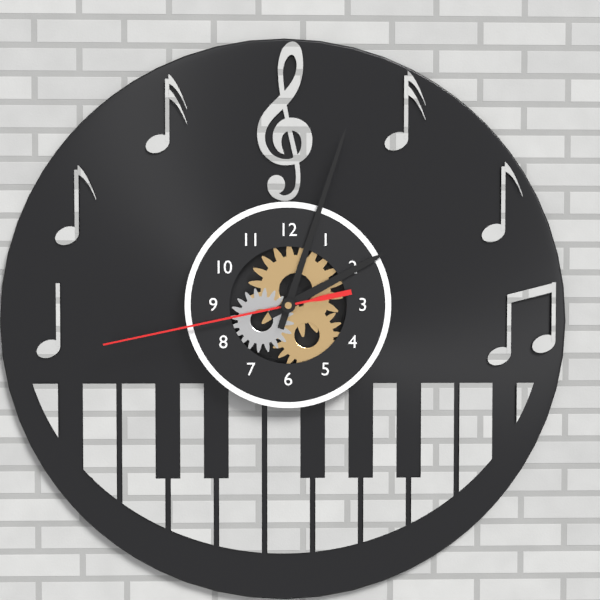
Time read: 2h03m43s
